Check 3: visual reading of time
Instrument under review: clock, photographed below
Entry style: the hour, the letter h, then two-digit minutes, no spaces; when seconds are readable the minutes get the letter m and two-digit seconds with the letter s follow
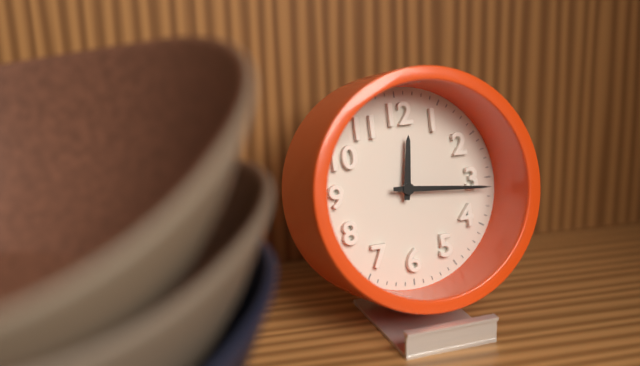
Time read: 12h16
